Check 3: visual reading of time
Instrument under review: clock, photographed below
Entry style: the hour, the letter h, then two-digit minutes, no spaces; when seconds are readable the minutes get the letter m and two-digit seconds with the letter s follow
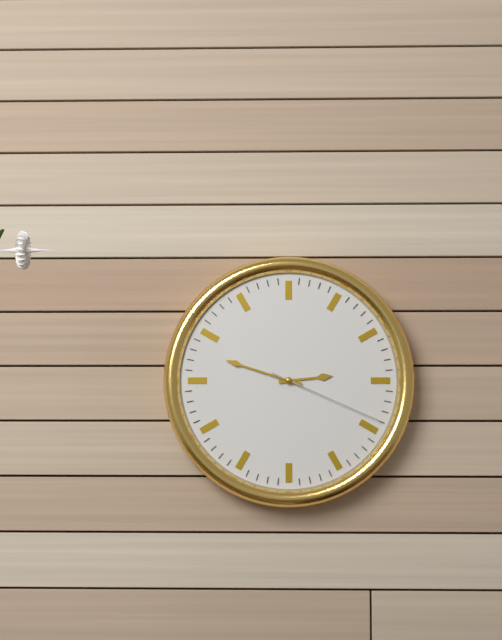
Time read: 2h48m19s
